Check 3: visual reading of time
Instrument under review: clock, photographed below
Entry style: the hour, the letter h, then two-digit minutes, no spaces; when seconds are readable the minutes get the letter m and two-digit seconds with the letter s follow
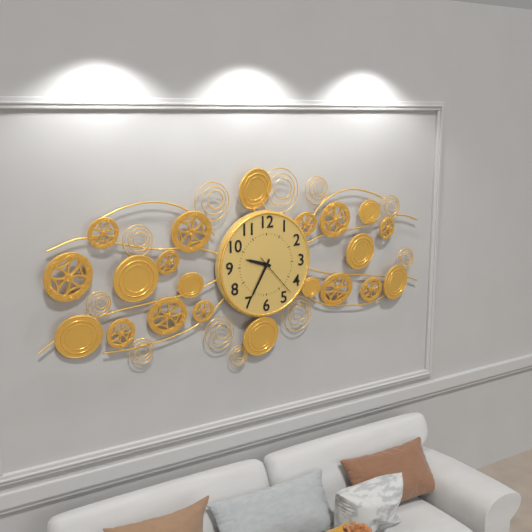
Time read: 9h35
